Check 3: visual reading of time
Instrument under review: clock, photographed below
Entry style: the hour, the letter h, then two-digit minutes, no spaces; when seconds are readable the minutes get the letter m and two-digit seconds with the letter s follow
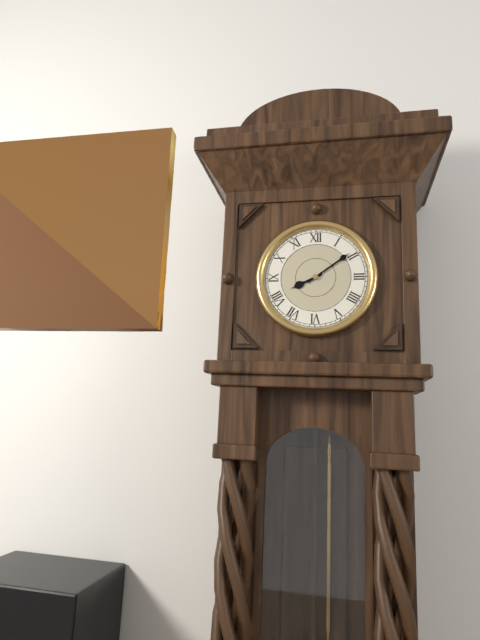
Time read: 8h09
